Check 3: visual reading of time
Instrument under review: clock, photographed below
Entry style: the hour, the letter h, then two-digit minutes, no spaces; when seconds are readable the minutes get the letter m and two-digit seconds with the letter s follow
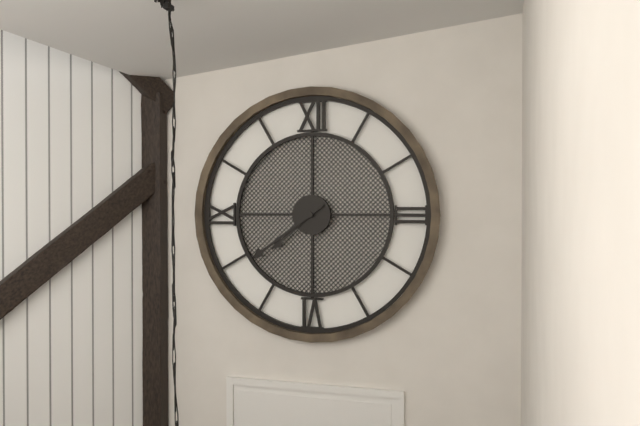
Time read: 7h39
